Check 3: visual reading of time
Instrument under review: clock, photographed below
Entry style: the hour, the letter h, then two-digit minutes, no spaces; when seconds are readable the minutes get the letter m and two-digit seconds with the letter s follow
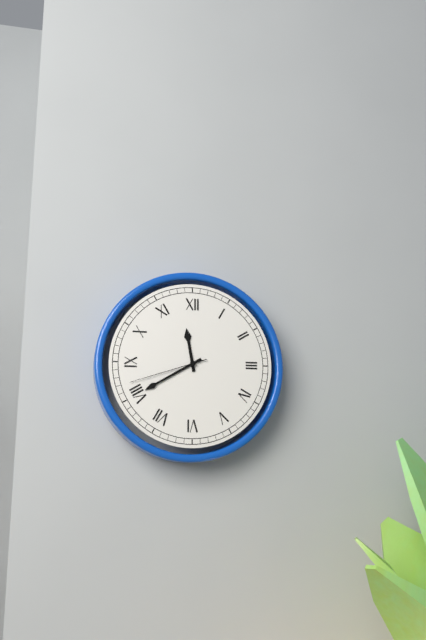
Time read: 11h40m42s
